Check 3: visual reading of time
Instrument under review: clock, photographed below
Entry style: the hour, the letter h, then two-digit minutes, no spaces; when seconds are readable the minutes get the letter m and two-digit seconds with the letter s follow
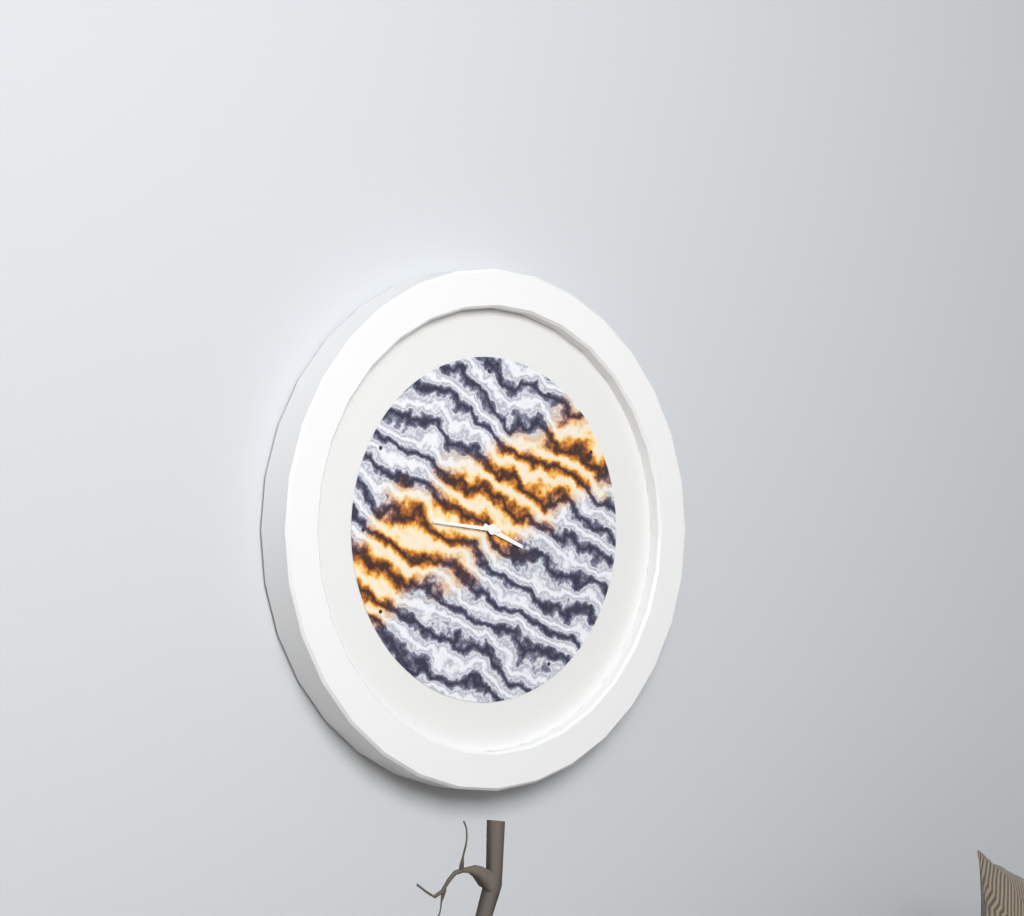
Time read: 3h46
